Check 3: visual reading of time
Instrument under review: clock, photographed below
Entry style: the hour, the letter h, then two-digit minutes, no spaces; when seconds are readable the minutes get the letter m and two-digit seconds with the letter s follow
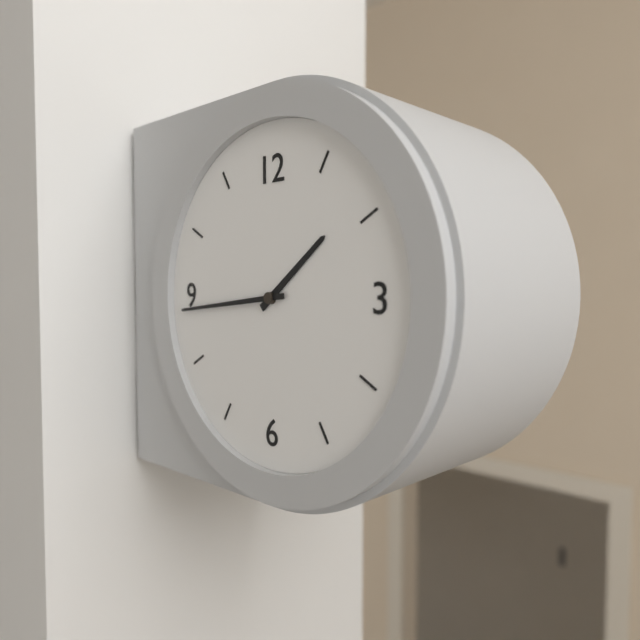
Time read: 1h44
